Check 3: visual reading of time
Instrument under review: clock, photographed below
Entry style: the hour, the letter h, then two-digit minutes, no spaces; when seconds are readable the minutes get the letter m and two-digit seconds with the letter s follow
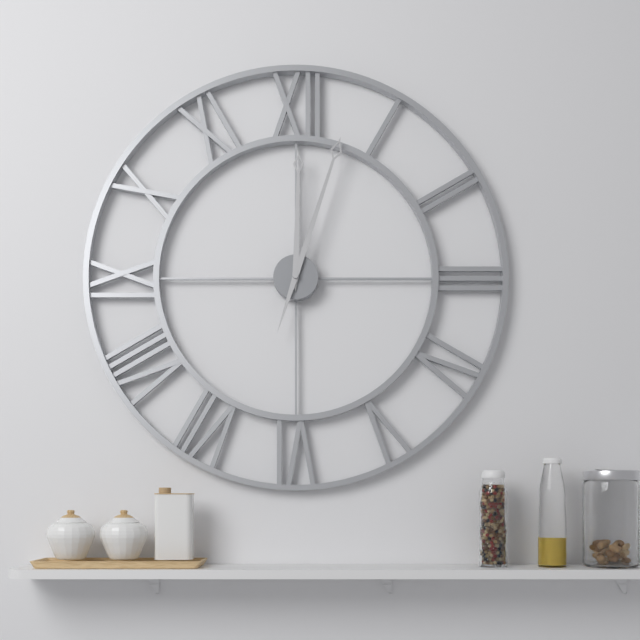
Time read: 12h03
